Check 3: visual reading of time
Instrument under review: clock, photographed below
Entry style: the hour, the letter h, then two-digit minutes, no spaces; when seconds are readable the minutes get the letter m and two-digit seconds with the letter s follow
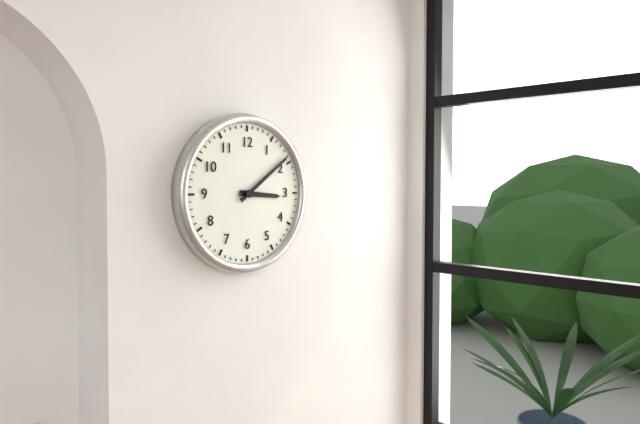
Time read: 3h09
